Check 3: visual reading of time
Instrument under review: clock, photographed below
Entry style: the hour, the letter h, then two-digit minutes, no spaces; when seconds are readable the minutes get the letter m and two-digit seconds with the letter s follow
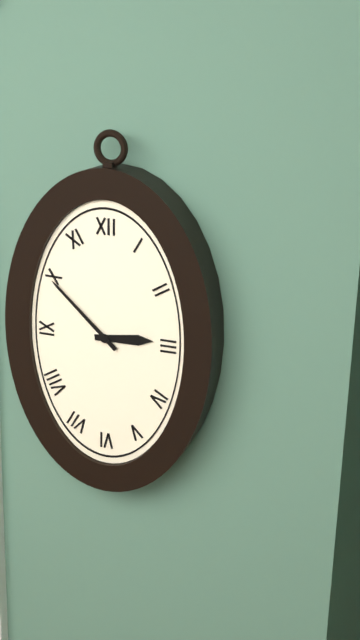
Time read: 2h52
